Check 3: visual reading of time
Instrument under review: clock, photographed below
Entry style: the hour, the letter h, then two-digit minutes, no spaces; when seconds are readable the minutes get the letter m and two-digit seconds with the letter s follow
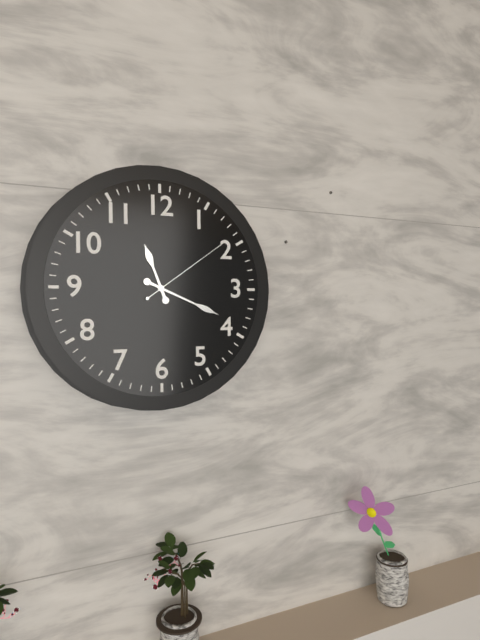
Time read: 11h19m09s
